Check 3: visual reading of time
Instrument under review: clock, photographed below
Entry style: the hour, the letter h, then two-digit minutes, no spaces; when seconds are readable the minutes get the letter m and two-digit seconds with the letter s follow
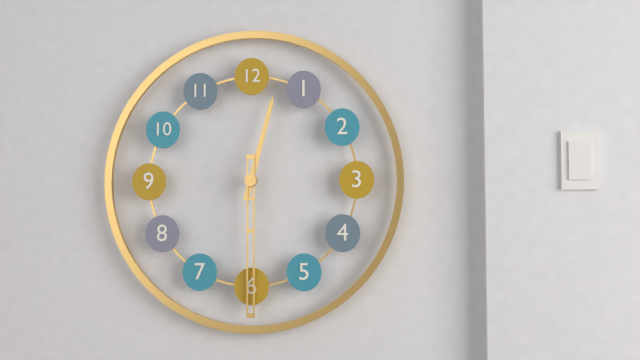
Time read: 12h30
